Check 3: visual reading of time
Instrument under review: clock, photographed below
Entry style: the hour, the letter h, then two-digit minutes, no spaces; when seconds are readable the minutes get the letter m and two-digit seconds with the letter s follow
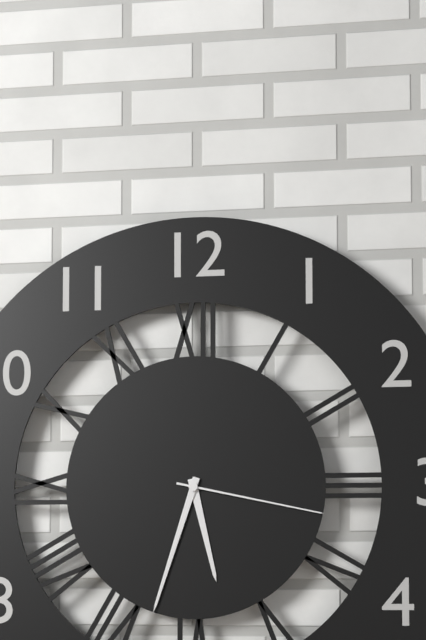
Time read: 5h33m17s
